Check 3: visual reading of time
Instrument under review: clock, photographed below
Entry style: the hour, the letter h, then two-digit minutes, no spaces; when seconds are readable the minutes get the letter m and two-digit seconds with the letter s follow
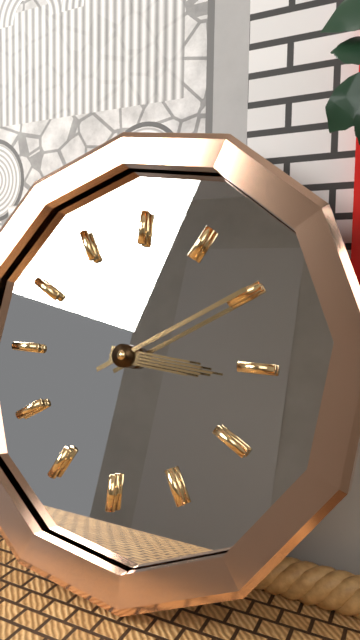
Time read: 3h10
